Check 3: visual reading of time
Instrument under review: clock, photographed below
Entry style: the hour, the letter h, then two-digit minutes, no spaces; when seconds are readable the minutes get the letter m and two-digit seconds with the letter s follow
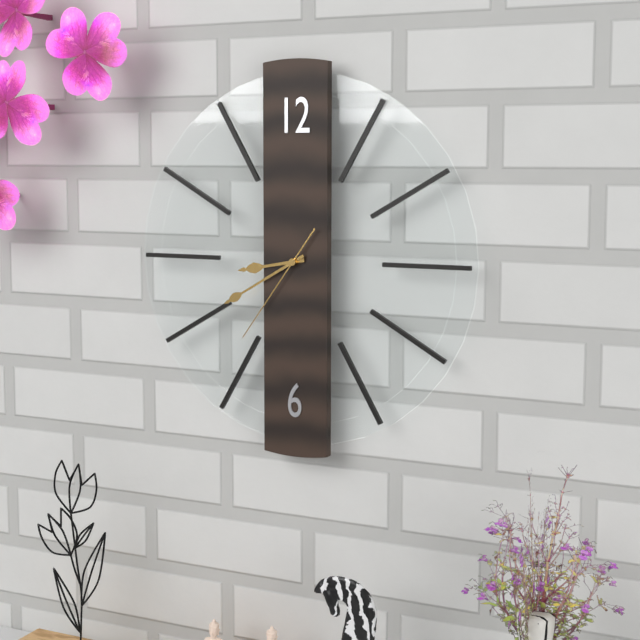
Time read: 8h40m36s
